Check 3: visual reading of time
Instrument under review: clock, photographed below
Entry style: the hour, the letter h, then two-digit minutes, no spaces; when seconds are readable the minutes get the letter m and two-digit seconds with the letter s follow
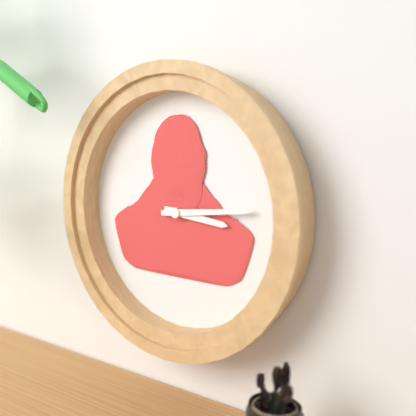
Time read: 3h14
